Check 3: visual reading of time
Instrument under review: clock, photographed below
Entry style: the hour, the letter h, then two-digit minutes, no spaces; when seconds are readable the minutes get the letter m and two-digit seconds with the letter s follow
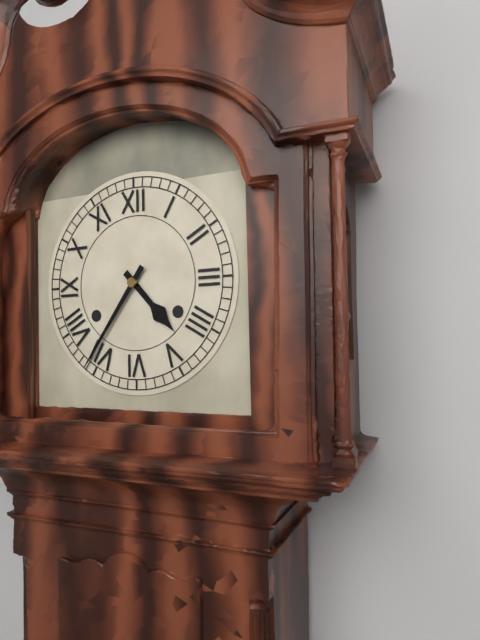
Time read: 4h36
